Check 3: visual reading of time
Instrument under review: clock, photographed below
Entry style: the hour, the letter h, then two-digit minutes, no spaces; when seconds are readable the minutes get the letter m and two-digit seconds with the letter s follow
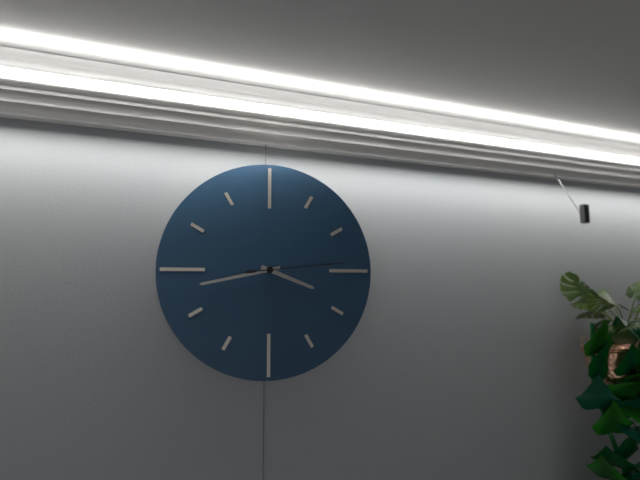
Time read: 3h43m14s
